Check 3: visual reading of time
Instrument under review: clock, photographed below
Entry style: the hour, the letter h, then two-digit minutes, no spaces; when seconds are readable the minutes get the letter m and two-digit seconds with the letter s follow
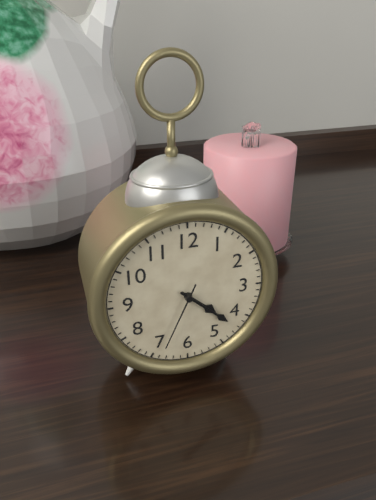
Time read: 4h22m34s
